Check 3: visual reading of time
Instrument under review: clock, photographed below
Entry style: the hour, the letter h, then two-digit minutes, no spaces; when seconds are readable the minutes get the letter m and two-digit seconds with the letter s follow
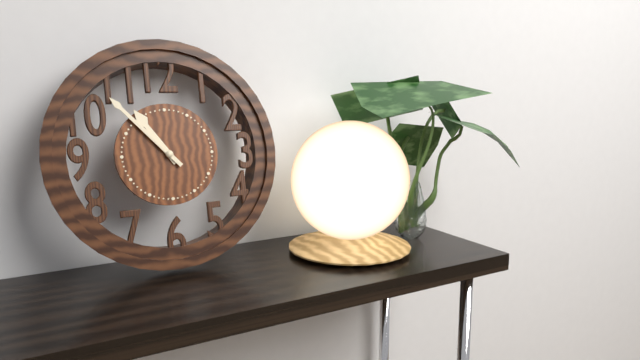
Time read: 10h53
